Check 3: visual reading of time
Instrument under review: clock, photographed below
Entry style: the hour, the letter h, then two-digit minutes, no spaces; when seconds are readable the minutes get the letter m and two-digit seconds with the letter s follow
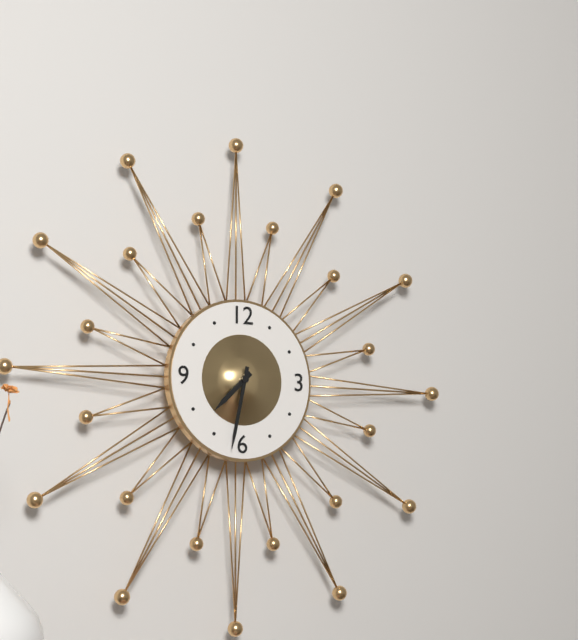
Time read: 7h32
